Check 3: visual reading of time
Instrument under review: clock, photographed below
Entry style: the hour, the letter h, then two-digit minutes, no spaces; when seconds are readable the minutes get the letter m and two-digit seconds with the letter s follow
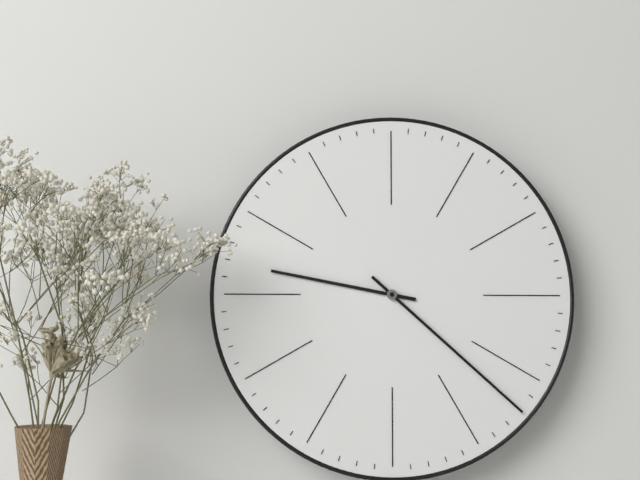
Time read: 9h22
